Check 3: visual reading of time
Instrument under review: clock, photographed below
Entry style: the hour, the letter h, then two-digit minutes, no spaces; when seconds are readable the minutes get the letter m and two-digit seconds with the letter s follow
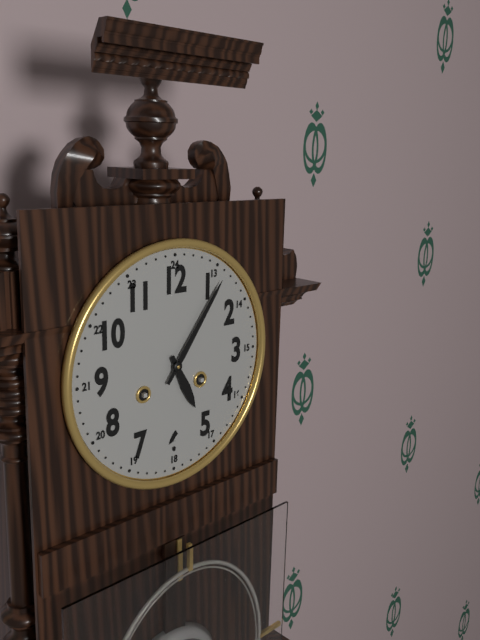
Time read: 5h06
